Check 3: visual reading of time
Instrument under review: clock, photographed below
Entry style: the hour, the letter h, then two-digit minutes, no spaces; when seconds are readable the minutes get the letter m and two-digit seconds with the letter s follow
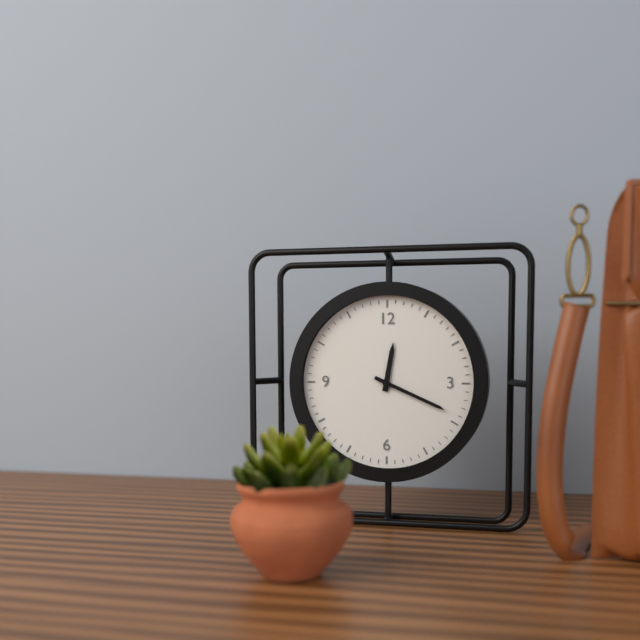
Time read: 12h19
